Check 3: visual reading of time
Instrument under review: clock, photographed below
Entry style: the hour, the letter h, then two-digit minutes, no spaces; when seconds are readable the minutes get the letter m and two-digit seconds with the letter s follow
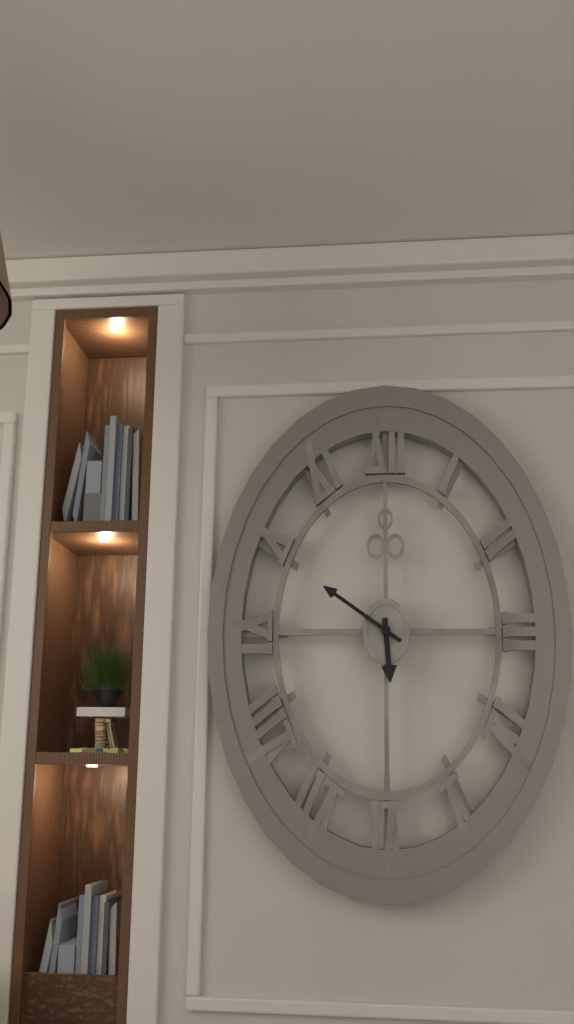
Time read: 5h51
